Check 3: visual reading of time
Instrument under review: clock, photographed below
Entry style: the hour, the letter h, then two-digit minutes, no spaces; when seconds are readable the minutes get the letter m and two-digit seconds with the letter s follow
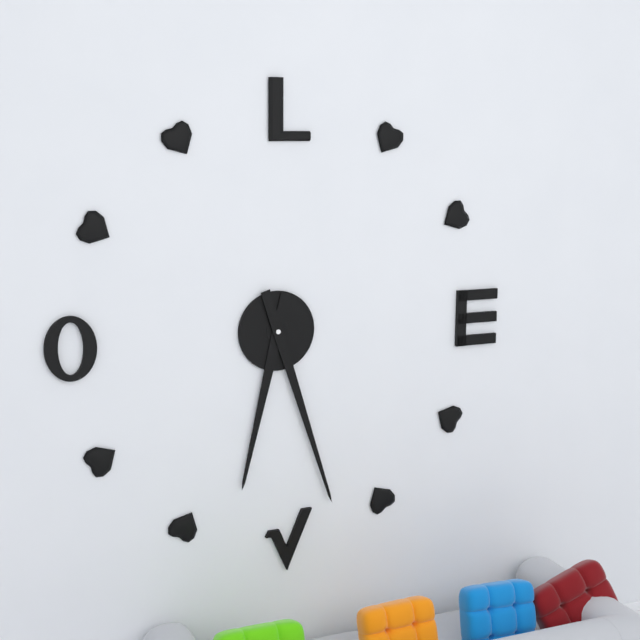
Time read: 6h27
